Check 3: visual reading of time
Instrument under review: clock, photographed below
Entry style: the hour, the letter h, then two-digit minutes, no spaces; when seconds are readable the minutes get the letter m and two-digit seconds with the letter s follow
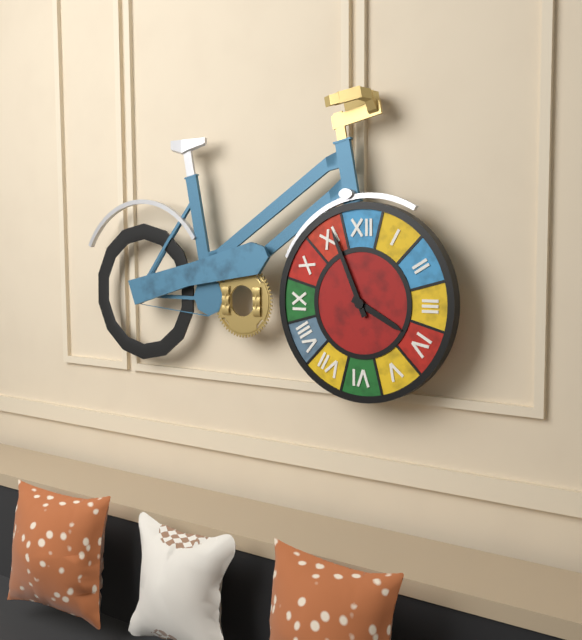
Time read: 3h56
